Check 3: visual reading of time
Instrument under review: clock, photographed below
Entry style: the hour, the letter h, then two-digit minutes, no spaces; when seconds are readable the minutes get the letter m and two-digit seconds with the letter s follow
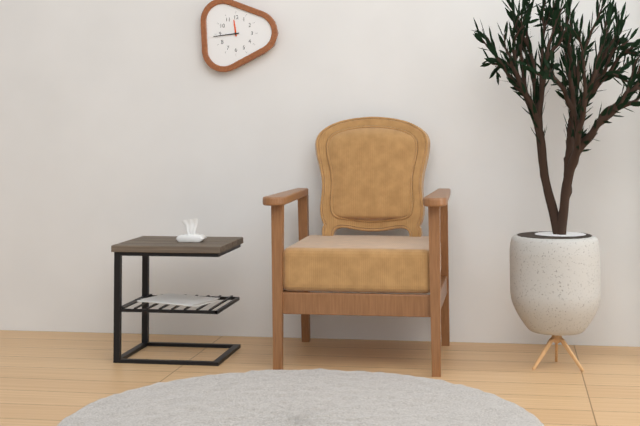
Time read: 11h44
